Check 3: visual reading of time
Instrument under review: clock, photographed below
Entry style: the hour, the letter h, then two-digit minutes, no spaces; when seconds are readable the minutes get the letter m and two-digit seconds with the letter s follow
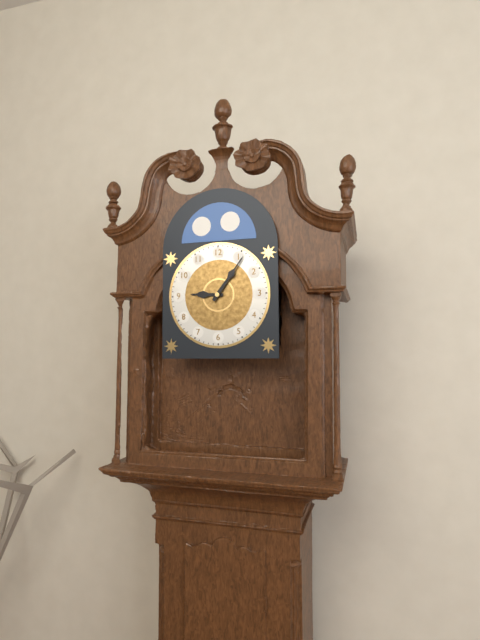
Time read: 9h06
